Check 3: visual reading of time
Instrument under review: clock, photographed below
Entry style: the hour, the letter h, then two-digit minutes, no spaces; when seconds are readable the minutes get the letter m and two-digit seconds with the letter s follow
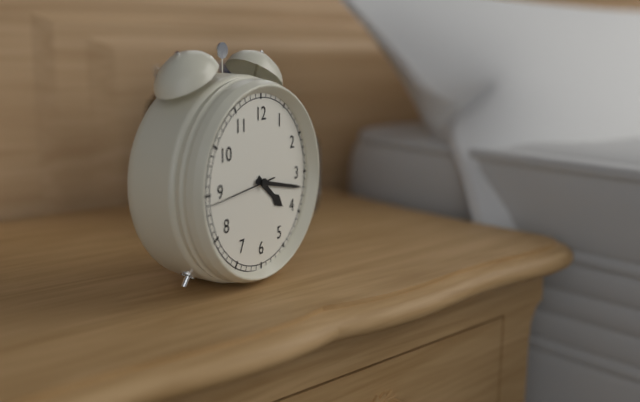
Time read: 4h17m44s
